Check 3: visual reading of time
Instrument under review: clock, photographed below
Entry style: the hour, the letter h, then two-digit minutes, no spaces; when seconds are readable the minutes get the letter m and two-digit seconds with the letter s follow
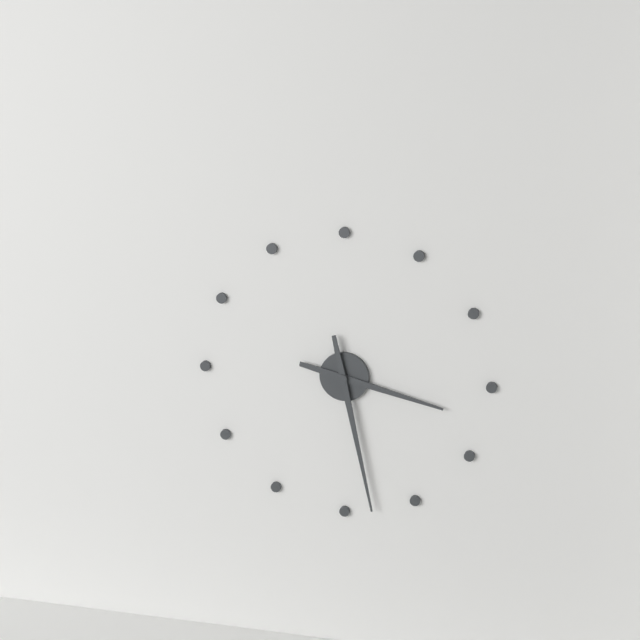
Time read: 3h28
